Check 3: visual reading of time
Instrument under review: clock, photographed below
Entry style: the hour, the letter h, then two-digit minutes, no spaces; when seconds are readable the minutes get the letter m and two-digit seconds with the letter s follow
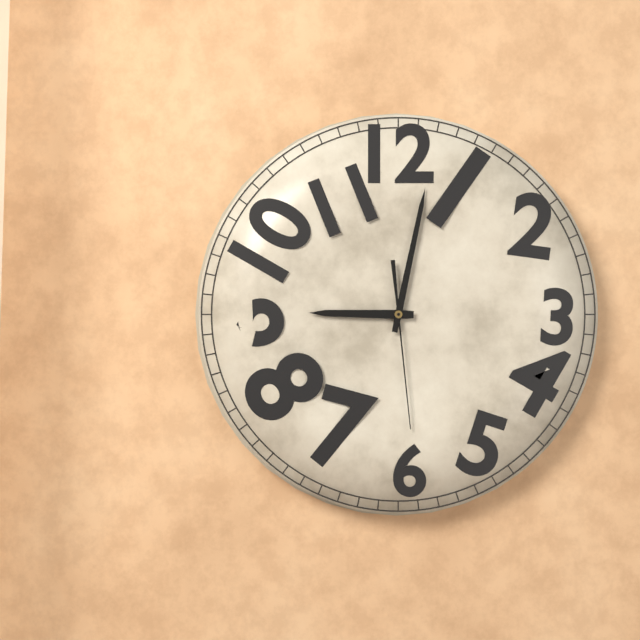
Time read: 9h02m29s
